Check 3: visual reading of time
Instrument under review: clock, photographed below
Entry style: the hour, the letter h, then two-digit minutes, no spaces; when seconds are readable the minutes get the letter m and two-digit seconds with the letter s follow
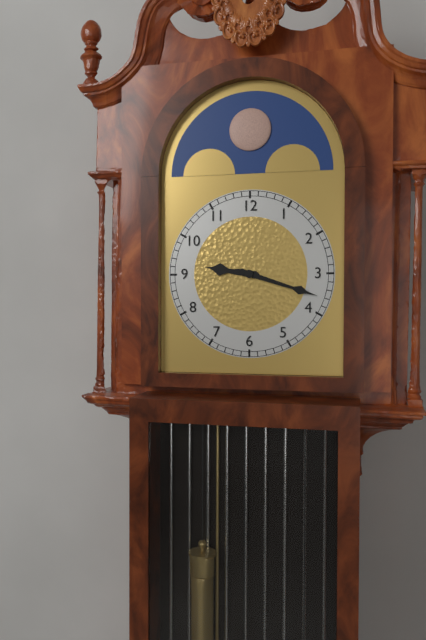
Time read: 9h18
